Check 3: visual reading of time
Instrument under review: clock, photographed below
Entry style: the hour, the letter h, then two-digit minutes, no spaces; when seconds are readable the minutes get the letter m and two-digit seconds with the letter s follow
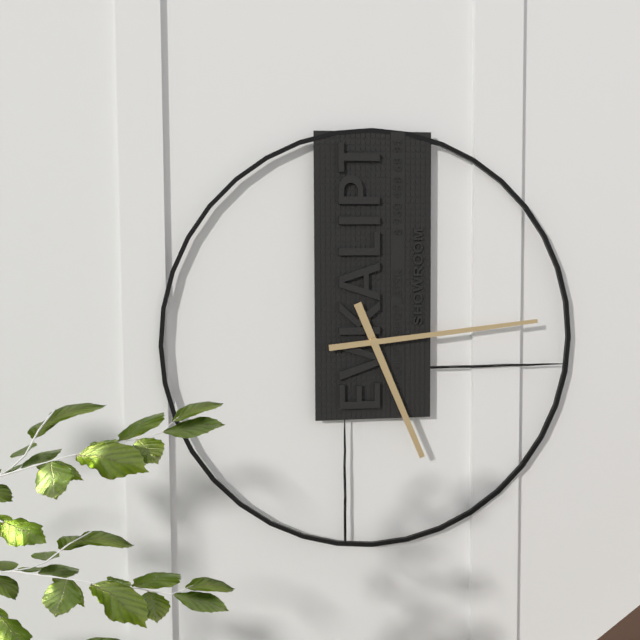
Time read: 5h14
